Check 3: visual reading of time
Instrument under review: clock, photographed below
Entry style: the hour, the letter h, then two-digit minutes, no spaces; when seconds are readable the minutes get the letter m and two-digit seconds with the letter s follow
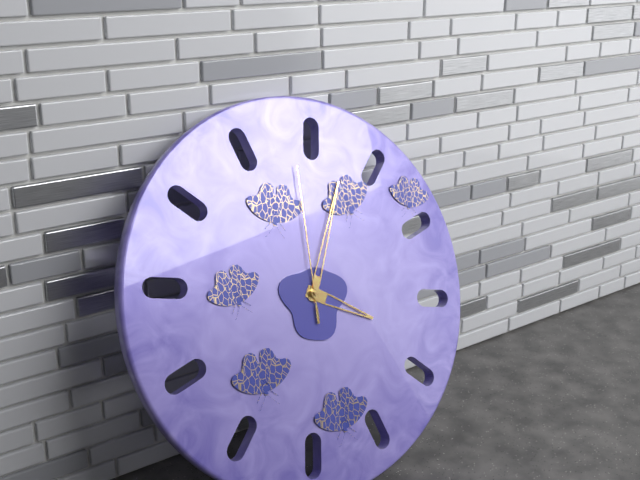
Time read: 4h05m01s
